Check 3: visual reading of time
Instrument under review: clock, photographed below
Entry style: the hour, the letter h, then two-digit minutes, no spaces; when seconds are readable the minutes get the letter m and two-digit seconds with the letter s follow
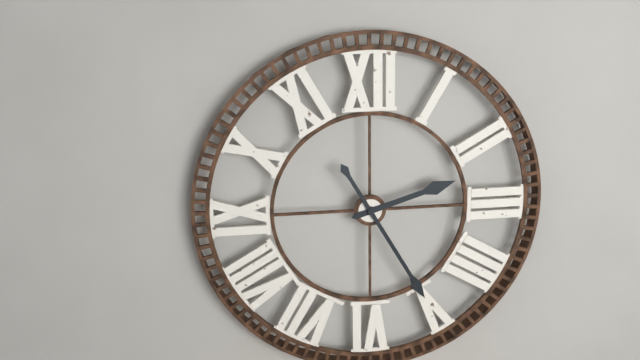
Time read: 2h25
